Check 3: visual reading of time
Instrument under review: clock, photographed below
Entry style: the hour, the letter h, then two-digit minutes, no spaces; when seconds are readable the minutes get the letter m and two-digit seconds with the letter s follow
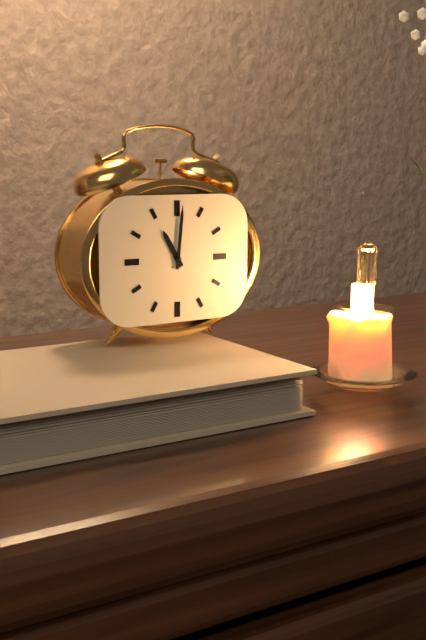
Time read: 11h01
